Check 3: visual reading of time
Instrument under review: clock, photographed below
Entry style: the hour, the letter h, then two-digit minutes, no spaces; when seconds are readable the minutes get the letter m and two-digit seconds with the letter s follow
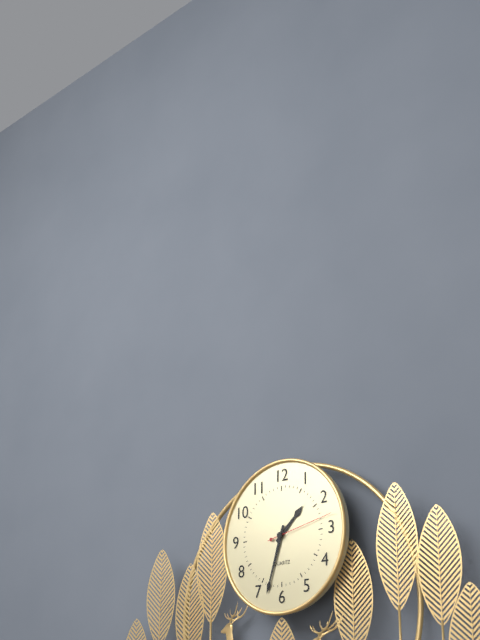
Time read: 1h33m13s
